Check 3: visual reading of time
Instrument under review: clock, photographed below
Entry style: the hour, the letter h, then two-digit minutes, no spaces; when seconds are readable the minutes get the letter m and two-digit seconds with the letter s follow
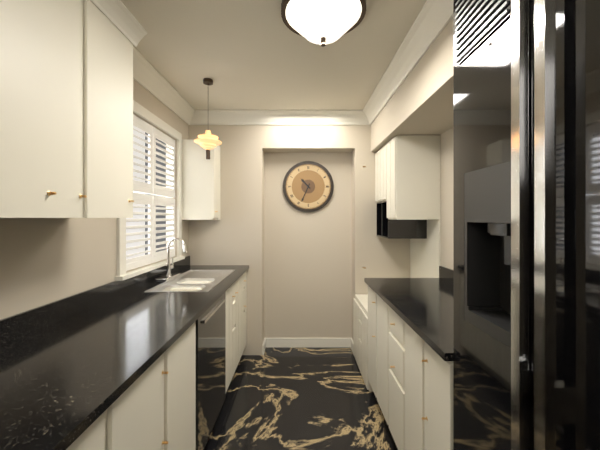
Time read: 10h34
